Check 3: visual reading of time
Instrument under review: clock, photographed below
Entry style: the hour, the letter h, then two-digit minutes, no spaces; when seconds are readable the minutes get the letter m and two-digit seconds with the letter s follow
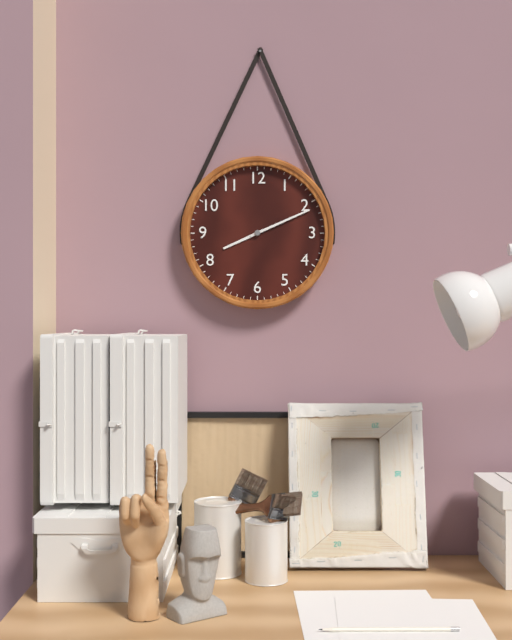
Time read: 8h11
